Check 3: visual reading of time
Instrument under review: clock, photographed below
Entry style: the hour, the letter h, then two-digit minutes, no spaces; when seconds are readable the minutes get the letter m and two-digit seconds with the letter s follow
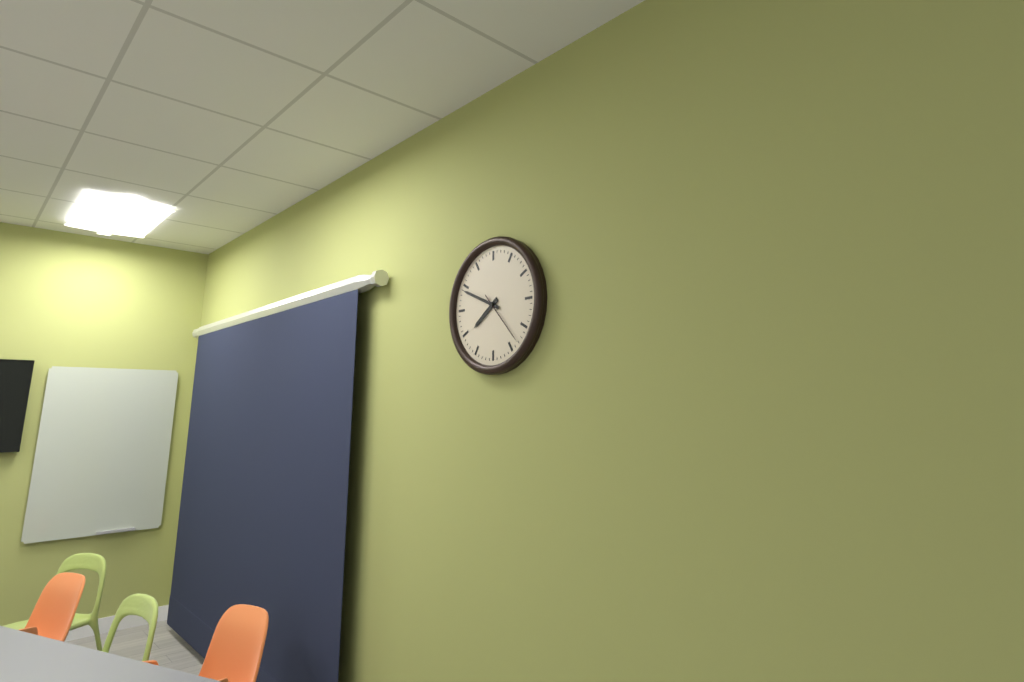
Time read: 7h49m23s
